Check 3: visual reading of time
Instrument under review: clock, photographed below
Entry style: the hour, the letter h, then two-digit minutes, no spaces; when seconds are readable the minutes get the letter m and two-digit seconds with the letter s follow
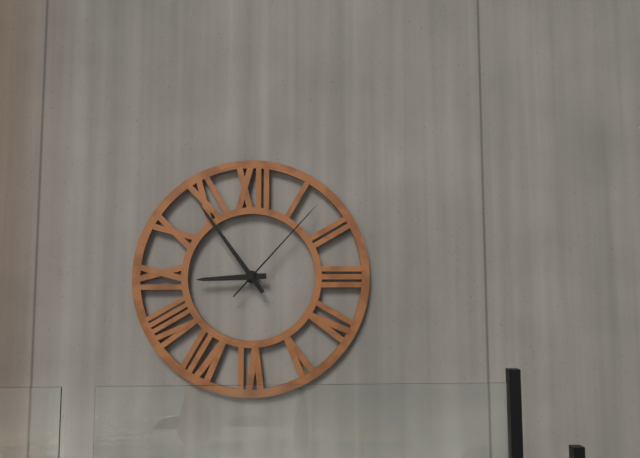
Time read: 8h54m07s
